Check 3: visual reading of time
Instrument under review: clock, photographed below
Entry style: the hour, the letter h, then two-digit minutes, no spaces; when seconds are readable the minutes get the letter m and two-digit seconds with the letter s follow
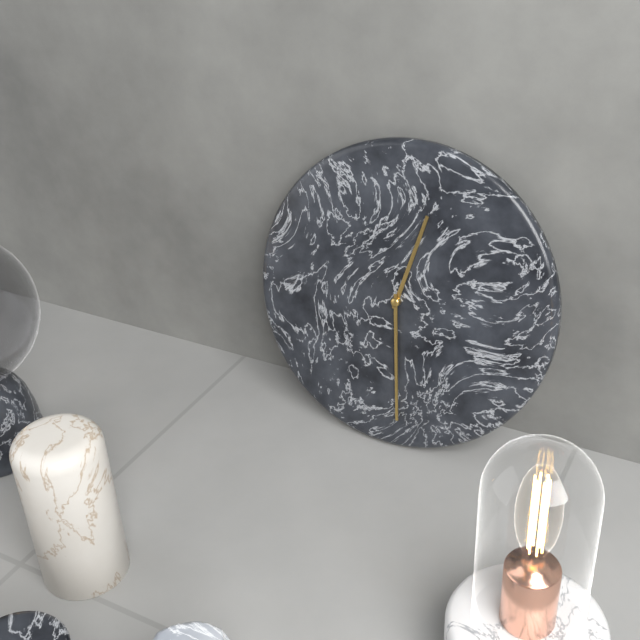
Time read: 12h29
